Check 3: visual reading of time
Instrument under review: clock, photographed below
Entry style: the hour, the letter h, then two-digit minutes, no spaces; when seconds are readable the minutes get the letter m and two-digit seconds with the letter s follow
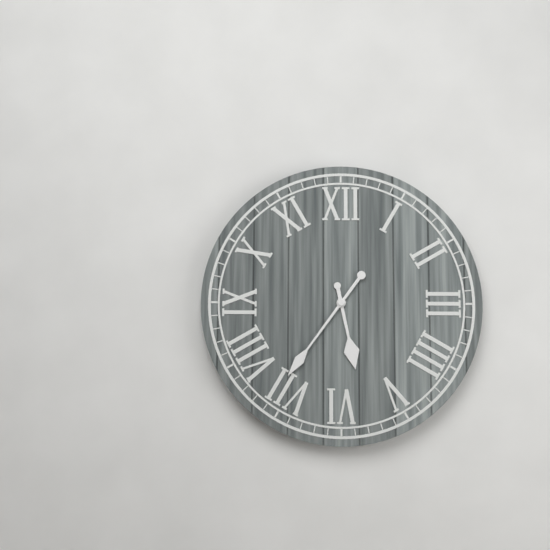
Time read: 5h36
